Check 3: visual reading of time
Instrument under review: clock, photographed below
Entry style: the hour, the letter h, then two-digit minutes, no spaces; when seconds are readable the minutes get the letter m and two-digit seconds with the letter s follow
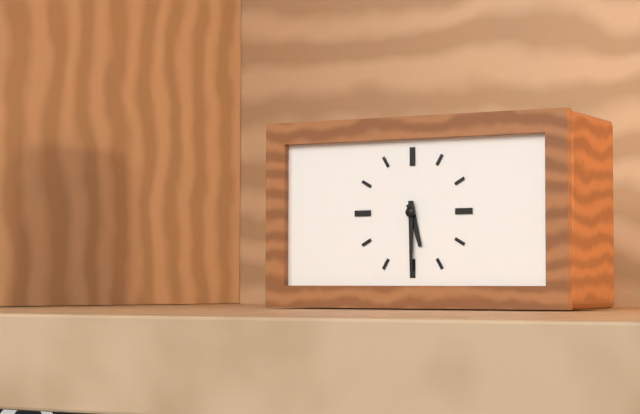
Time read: 5h30
